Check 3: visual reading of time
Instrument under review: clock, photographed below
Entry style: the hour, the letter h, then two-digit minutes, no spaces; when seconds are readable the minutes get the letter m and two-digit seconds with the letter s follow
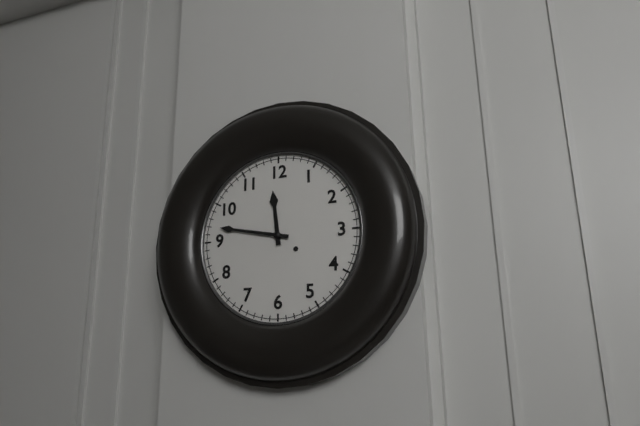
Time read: 11h47
